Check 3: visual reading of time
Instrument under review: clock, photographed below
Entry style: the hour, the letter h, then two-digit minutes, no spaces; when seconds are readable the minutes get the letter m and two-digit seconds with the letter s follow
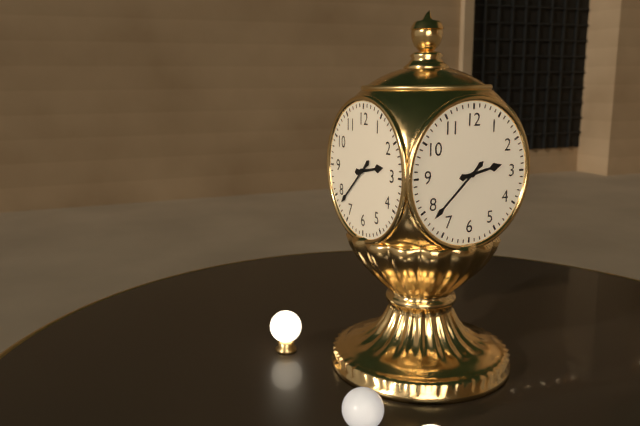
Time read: 2h38
